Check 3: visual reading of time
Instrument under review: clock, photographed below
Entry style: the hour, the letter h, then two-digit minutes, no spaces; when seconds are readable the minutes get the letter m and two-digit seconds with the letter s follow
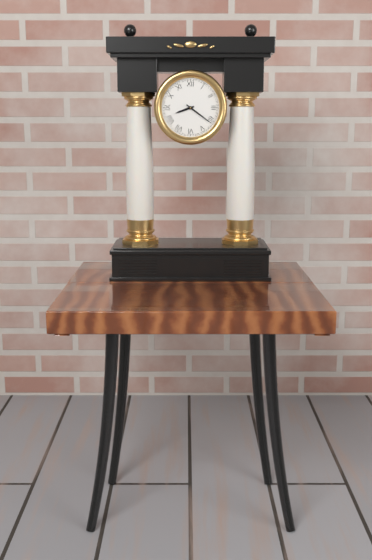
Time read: 8h21
